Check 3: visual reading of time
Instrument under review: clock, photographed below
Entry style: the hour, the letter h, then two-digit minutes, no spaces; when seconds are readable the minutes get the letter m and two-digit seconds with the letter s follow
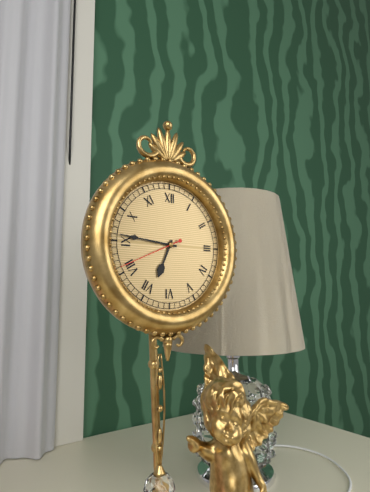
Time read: 6h46m41s
